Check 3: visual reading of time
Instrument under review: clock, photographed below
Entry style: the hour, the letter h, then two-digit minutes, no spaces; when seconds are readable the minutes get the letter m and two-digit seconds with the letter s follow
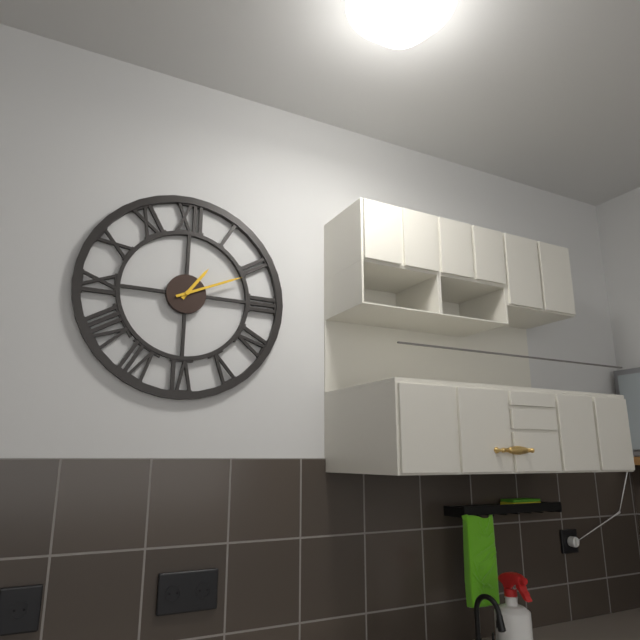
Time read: 1h11
